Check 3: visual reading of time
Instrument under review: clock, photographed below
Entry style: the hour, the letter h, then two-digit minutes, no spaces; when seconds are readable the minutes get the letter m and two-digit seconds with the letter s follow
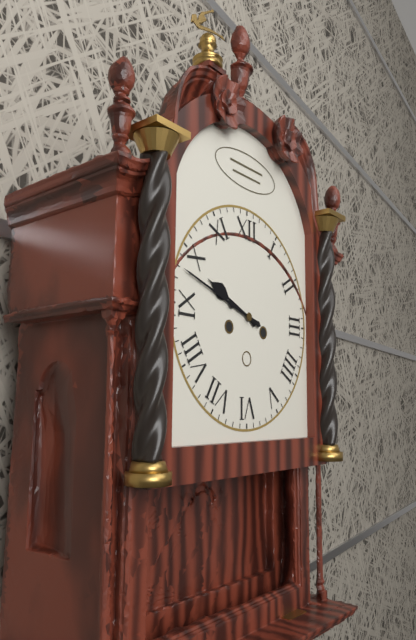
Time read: 9h48
